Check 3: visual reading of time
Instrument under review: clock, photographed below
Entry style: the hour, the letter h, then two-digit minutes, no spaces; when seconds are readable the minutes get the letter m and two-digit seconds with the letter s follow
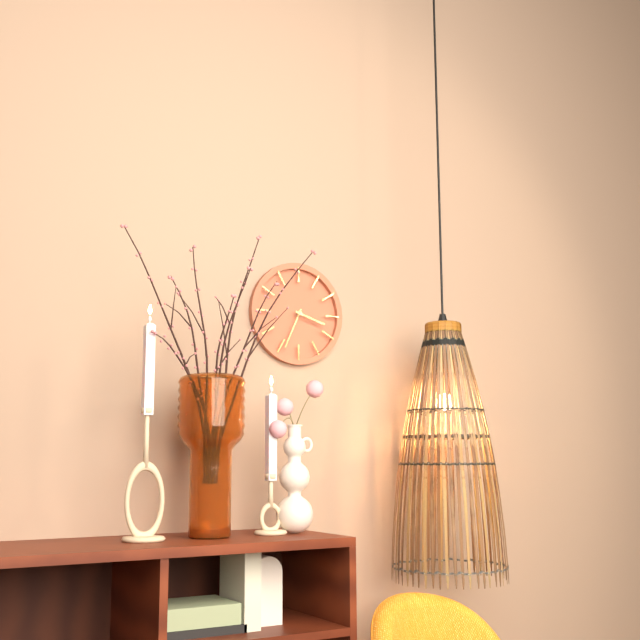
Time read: 3h34
